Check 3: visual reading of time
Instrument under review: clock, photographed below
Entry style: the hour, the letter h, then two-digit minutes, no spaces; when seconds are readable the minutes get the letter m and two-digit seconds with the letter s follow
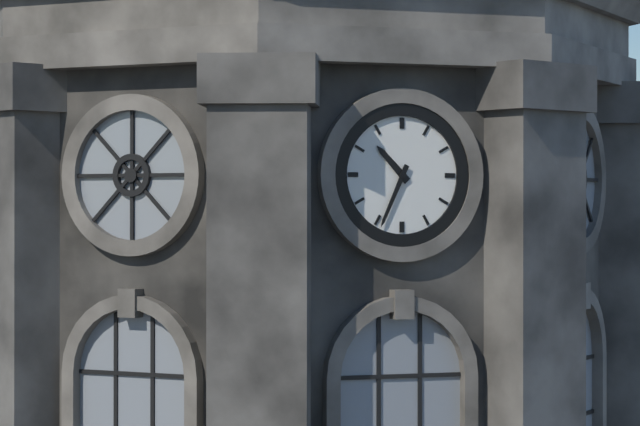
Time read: 10h34
